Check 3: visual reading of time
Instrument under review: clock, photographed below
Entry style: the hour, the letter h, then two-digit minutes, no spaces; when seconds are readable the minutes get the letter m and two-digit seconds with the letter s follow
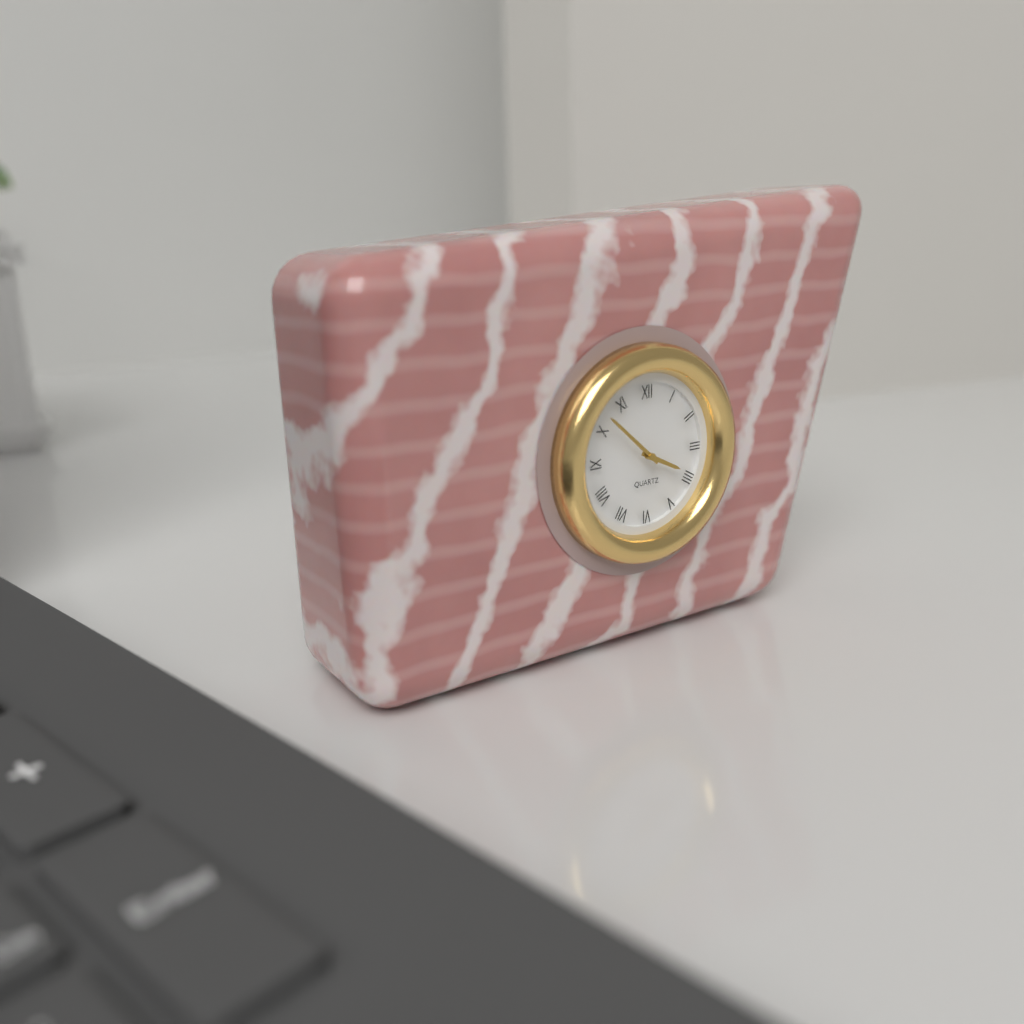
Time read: 3h52
